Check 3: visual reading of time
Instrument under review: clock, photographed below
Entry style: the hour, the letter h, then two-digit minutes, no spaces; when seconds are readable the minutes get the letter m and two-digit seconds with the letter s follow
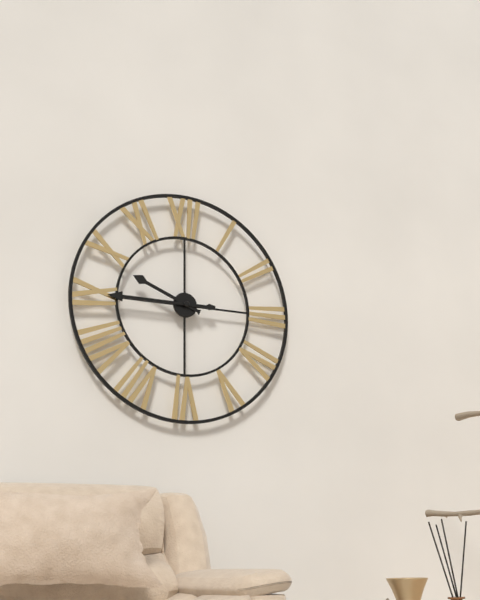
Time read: 9h45
